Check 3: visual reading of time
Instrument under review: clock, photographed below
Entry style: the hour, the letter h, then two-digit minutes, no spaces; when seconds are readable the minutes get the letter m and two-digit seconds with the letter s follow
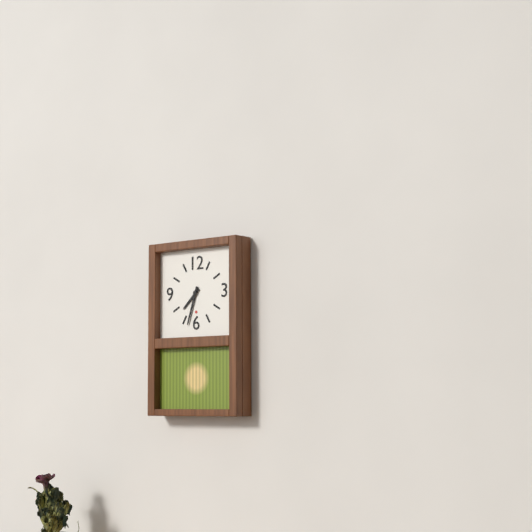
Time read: 7h33
